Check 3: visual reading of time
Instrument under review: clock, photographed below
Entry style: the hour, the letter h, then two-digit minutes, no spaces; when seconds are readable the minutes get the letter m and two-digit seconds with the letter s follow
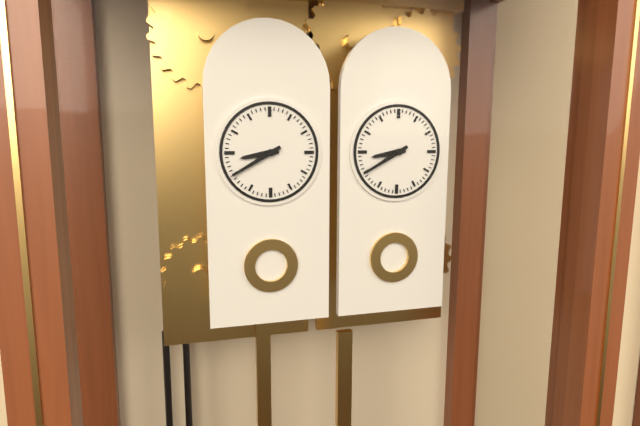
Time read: 8h40
